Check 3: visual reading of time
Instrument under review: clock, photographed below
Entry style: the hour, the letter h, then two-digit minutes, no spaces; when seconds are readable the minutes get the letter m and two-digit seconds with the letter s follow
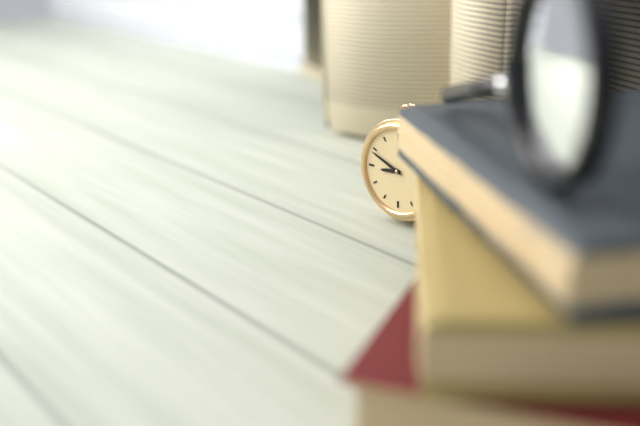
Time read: 8h49
